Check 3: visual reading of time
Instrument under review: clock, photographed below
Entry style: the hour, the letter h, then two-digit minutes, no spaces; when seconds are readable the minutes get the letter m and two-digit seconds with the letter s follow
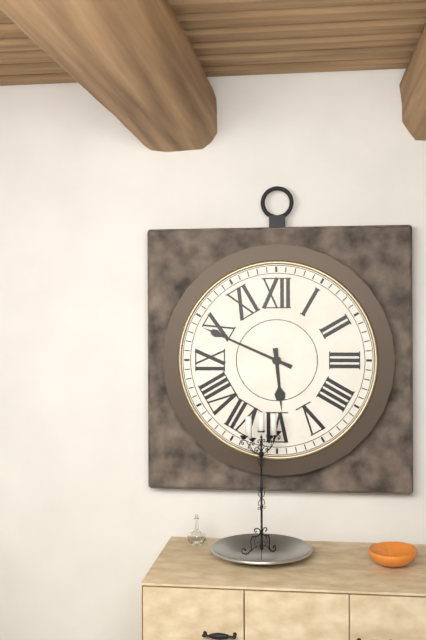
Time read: 5h49
